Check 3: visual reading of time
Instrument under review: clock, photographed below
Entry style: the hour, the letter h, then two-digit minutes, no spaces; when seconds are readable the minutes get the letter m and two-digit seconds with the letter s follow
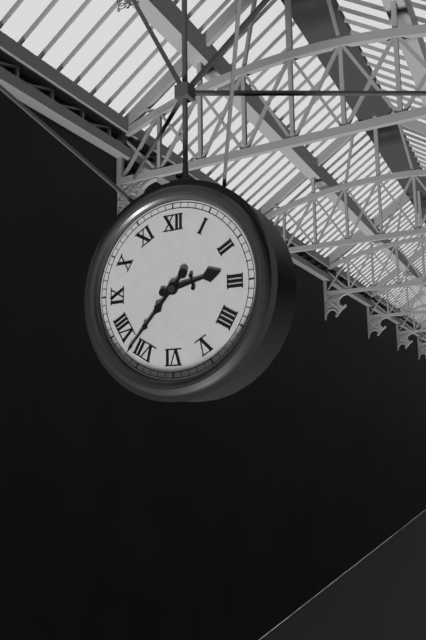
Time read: 2h37
